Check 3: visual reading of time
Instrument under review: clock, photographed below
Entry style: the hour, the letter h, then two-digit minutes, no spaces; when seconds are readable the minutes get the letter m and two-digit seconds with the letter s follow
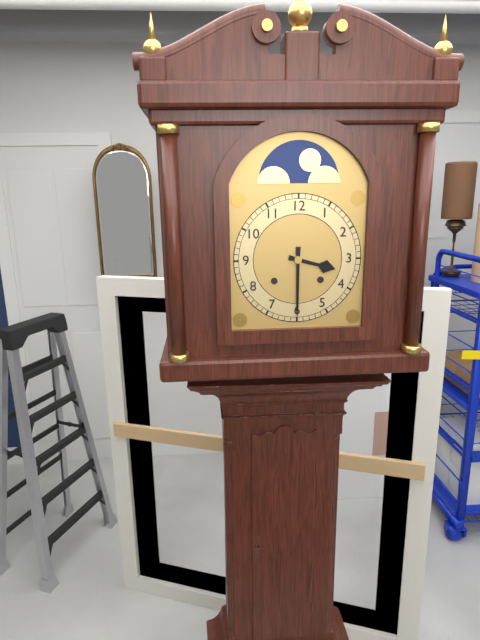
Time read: 3h30
